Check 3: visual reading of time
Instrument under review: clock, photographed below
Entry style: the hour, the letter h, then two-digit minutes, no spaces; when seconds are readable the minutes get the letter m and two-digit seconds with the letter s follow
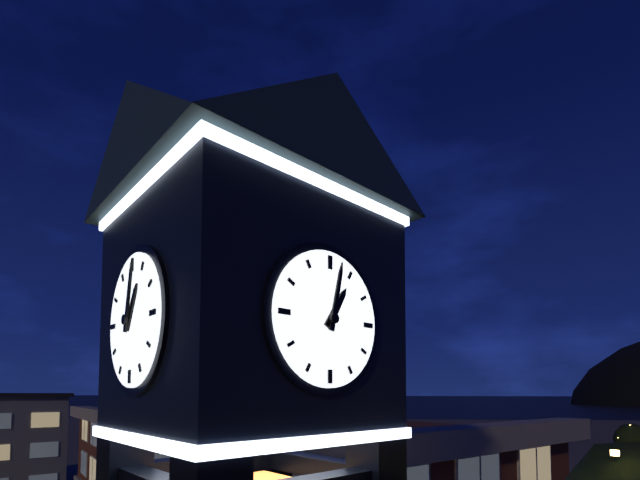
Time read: 1h02
